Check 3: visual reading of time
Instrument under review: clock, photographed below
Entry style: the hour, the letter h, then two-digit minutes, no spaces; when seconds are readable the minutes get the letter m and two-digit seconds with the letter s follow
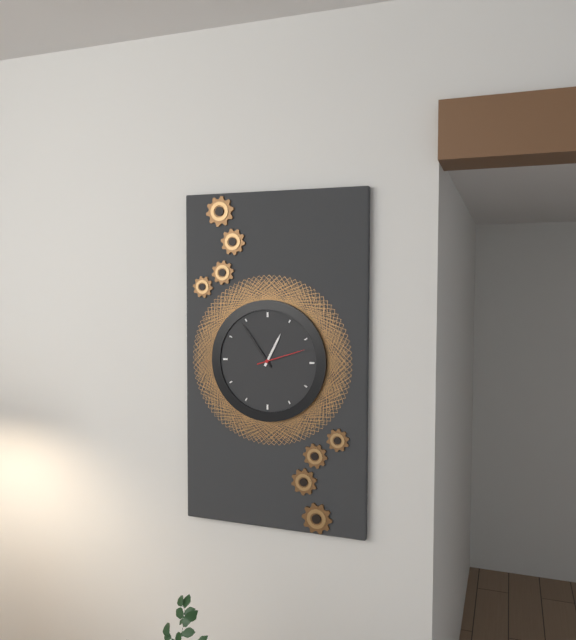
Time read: 12h54
